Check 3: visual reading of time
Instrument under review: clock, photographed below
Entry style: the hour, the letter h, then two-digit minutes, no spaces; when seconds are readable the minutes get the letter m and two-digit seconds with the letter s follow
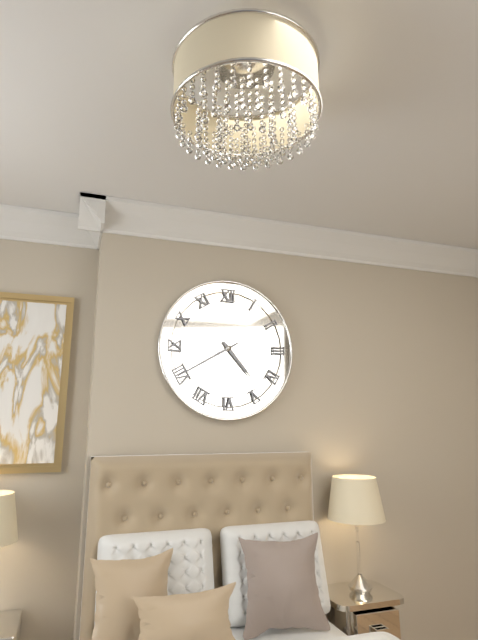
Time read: 4h40
